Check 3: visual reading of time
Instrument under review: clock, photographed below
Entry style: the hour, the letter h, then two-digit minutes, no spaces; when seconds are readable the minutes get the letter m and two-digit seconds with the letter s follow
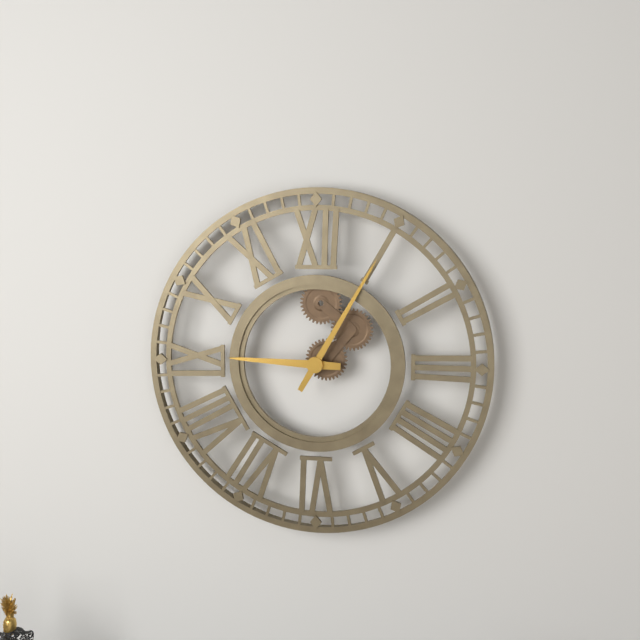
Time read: 9h05
